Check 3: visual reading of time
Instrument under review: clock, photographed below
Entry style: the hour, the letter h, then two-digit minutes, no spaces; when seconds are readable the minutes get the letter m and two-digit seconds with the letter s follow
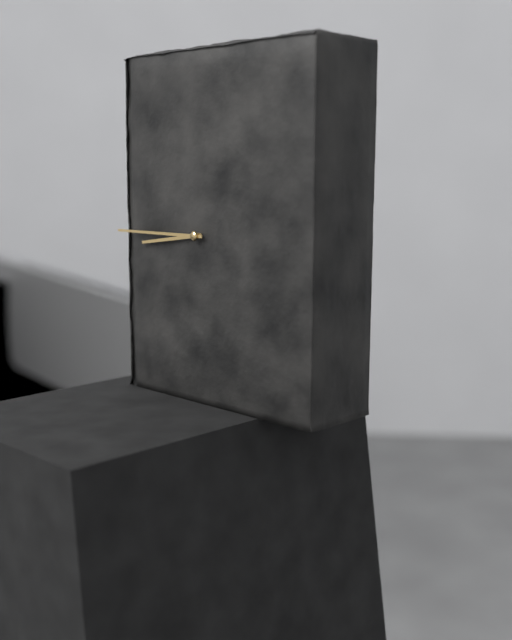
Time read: 8h45
